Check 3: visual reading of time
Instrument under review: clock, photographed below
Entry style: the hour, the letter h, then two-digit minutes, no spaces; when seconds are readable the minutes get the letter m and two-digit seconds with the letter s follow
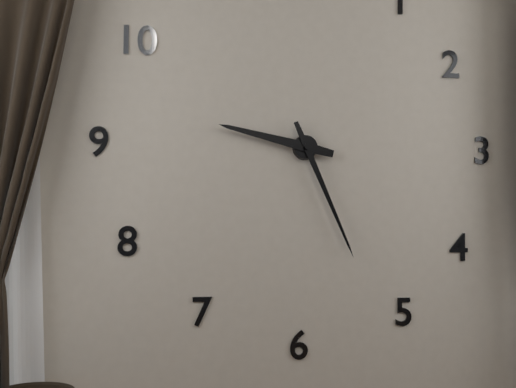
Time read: 9h26
